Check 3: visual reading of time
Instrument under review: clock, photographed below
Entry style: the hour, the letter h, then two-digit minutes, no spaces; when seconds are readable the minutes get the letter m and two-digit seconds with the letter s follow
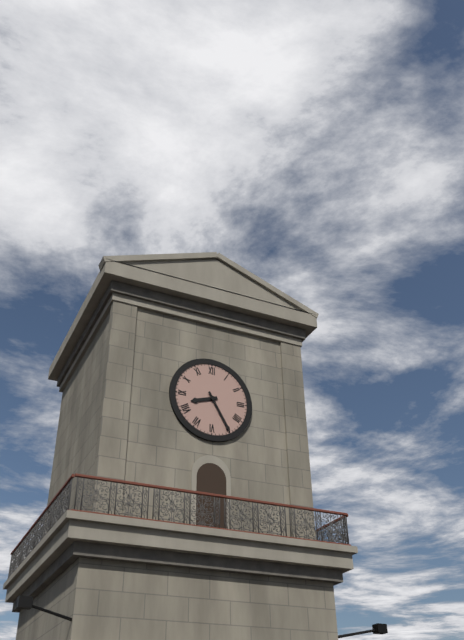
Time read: 8h25
